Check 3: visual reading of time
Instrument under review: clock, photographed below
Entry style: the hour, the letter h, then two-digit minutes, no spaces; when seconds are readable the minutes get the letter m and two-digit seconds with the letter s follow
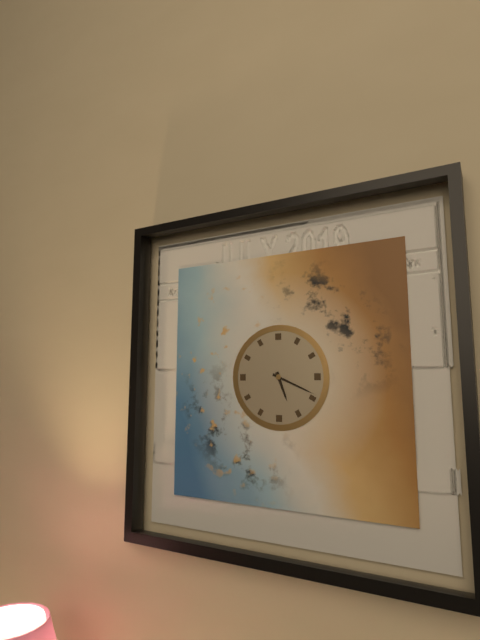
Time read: 5h19
